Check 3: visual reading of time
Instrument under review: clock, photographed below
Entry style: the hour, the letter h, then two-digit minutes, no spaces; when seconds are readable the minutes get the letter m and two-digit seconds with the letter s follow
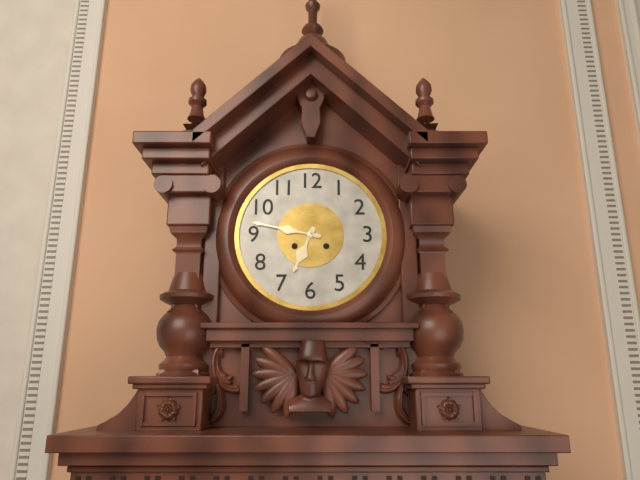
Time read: 6h47
